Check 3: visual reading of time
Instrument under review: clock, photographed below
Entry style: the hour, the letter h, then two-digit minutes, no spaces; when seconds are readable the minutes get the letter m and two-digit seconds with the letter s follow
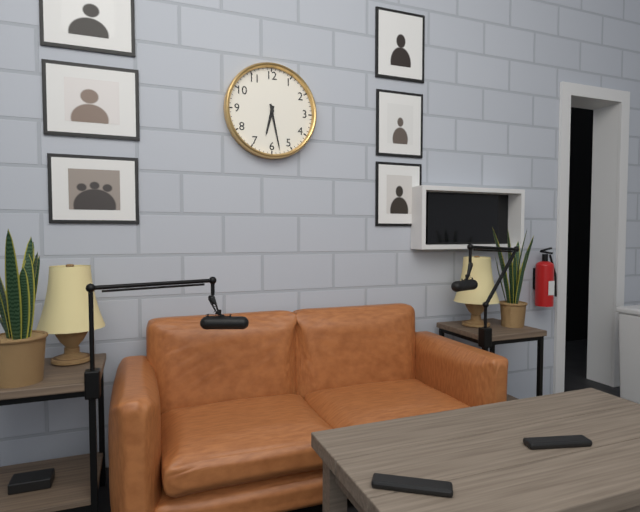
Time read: 6h28
